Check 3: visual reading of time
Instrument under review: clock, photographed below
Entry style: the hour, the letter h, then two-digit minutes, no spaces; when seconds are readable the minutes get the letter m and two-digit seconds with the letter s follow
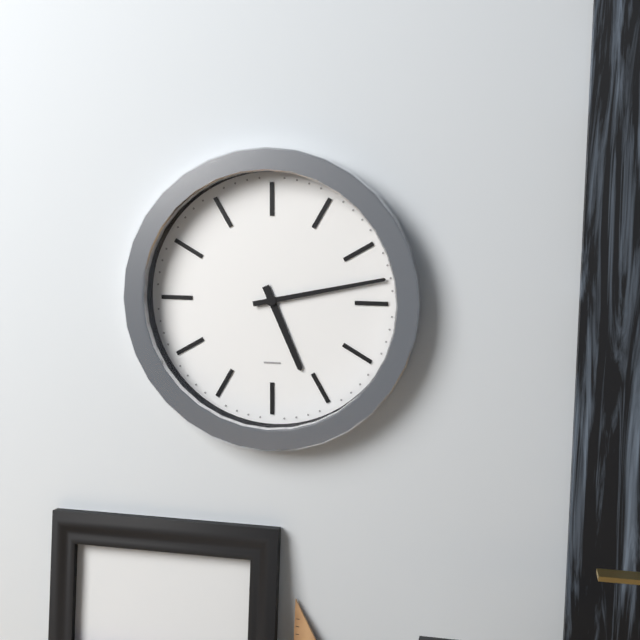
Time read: 5h13
